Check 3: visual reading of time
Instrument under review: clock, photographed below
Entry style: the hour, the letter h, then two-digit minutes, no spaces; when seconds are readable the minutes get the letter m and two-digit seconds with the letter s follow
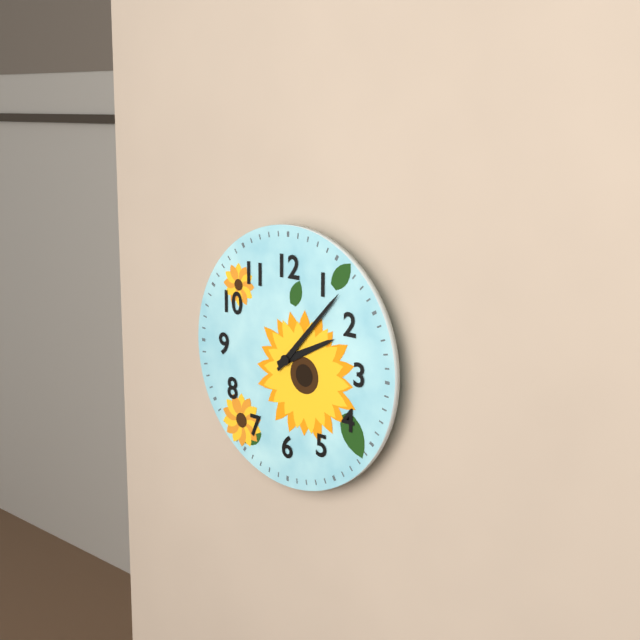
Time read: 2h07
